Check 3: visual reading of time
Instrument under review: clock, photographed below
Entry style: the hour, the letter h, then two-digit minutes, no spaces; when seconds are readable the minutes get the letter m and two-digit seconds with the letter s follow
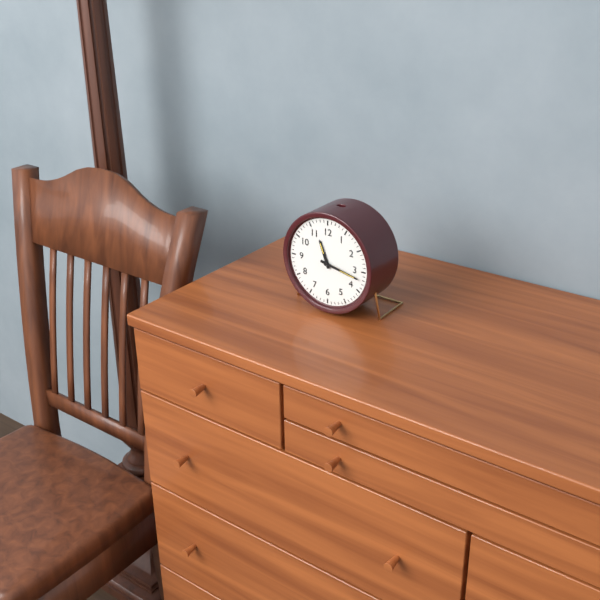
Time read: 11h17
